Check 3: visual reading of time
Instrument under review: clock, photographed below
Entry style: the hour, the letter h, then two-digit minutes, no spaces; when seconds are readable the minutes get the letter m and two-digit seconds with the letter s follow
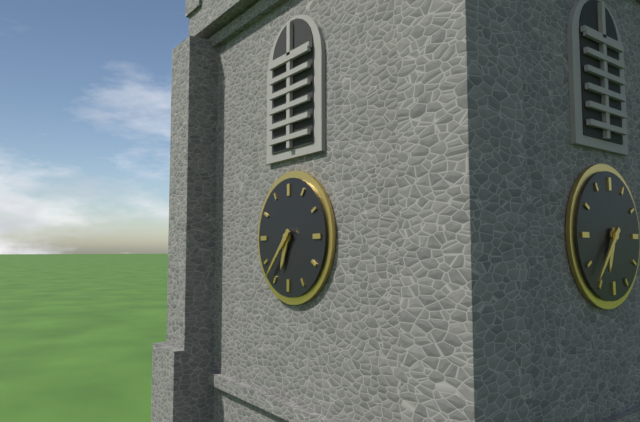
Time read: 6h37
